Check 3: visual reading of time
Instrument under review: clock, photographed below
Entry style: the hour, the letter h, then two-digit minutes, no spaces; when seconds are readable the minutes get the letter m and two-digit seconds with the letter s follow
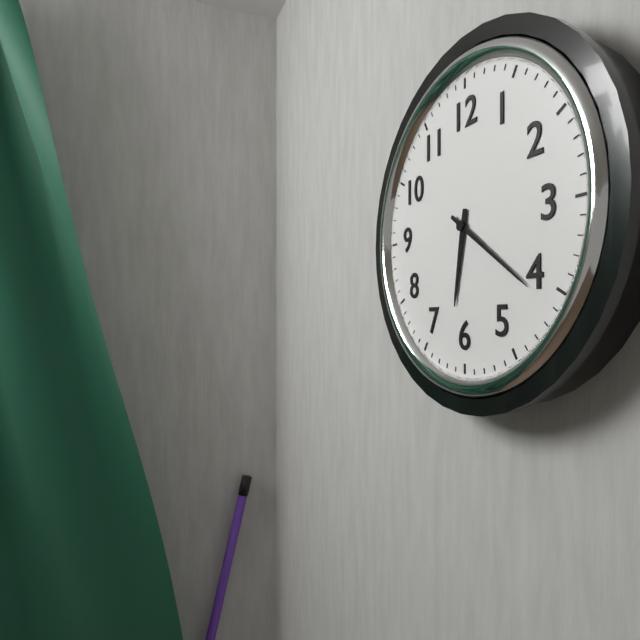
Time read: 6h21
